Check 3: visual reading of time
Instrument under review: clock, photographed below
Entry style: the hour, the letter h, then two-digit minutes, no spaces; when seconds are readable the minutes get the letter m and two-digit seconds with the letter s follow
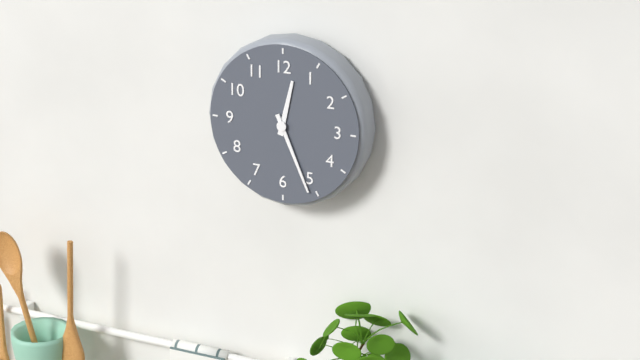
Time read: 12h26
